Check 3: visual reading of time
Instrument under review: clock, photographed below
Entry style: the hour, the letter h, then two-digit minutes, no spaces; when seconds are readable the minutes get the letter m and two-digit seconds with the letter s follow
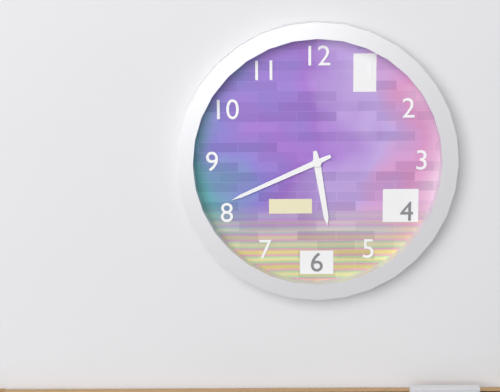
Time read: 5h41
